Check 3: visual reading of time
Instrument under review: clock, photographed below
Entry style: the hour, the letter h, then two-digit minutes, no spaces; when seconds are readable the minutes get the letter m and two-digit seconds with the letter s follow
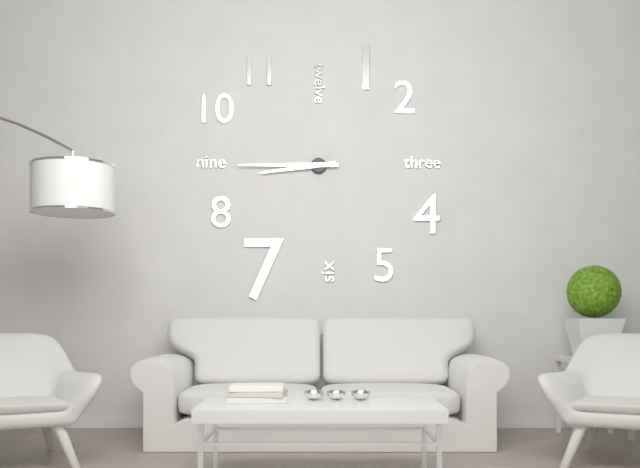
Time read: 8h45
